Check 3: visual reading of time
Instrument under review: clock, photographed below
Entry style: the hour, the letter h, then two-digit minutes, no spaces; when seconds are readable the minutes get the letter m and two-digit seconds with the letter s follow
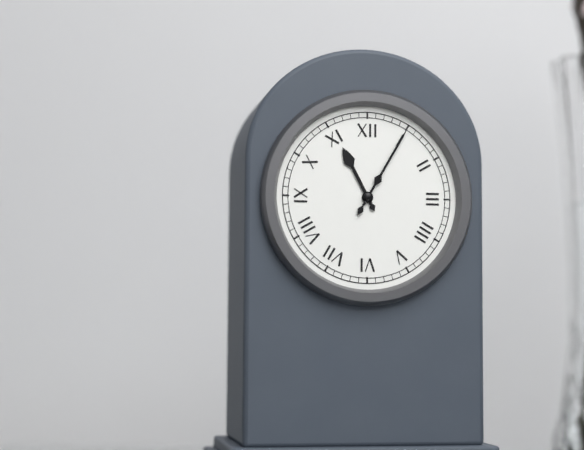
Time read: 11h05
